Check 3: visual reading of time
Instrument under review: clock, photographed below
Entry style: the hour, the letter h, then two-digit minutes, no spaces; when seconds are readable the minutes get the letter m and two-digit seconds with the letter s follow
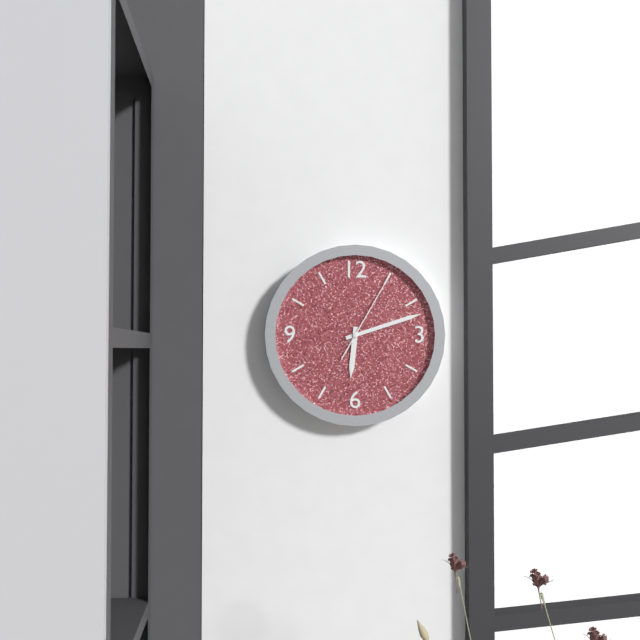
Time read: 6h12m05s
